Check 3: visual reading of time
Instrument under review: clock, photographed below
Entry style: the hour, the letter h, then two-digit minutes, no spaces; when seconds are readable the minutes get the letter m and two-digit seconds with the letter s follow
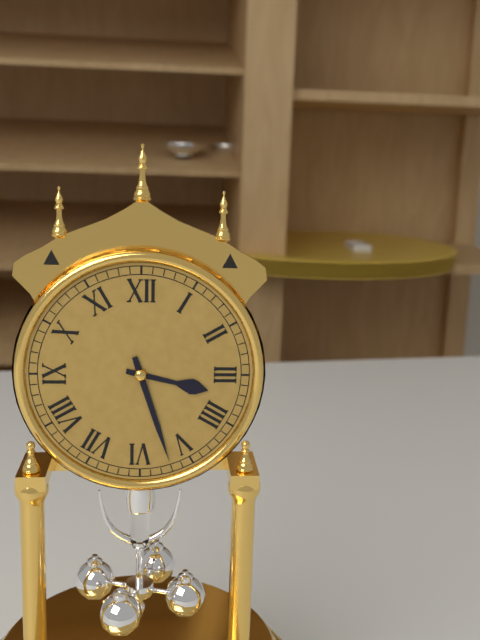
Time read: 3h27
